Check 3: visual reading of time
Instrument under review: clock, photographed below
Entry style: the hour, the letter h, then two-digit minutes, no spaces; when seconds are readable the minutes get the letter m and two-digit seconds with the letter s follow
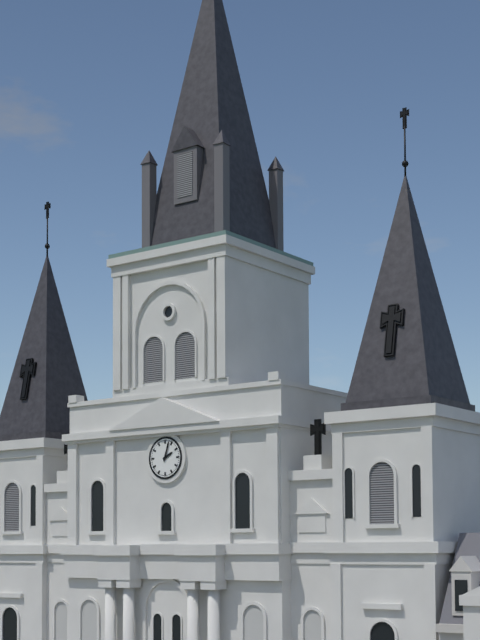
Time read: 2h03
